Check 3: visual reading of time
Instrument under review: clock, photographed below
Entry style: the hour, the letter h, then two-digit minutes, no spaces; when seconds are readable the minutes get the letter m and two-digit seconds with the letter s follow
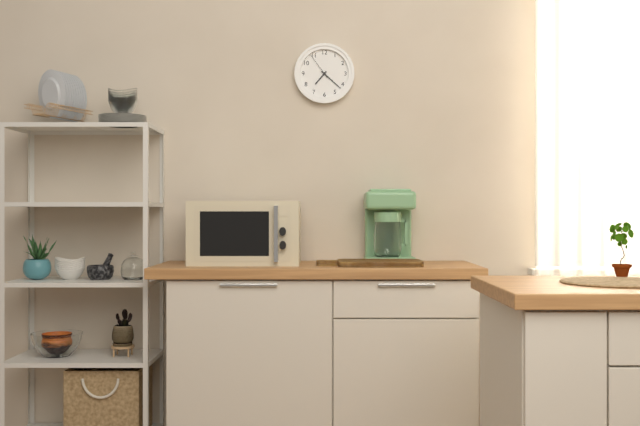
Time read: 7h22
